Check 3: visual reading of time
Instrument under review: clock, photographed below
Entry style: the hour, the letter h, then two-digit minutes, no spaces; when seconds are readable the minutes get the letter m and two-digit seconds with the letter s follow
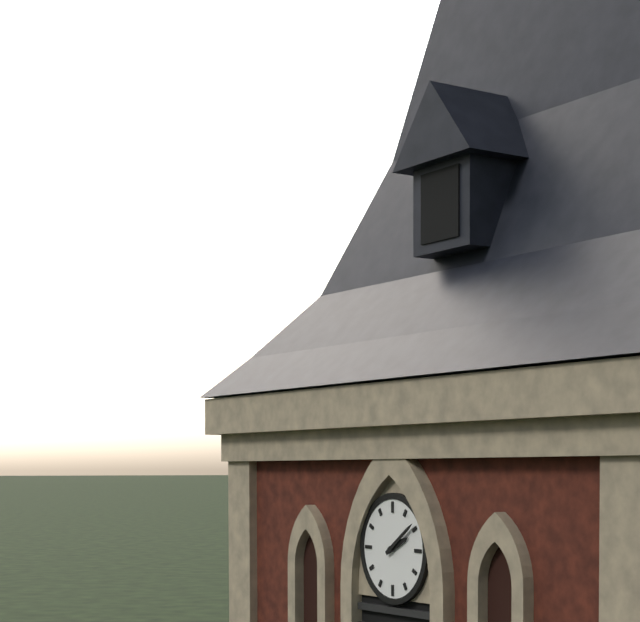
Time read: 2h09
